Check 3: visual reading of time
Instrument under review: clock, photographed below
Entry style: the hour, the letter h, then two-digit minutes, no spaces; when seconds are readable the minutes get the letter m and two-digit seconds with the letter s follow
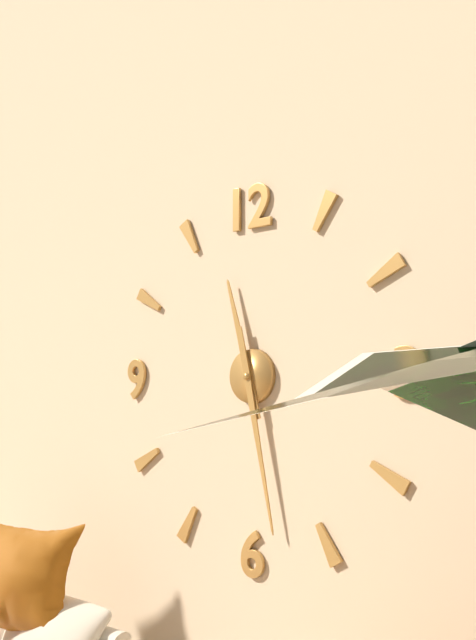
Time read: 11h28
